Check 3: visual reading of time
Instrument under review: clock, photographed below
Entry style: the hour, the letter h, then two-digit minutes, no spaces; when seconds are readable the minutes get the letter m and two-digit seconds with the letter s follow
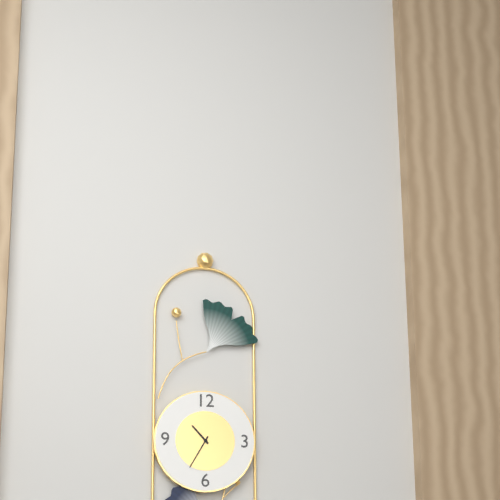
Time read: 10h35
